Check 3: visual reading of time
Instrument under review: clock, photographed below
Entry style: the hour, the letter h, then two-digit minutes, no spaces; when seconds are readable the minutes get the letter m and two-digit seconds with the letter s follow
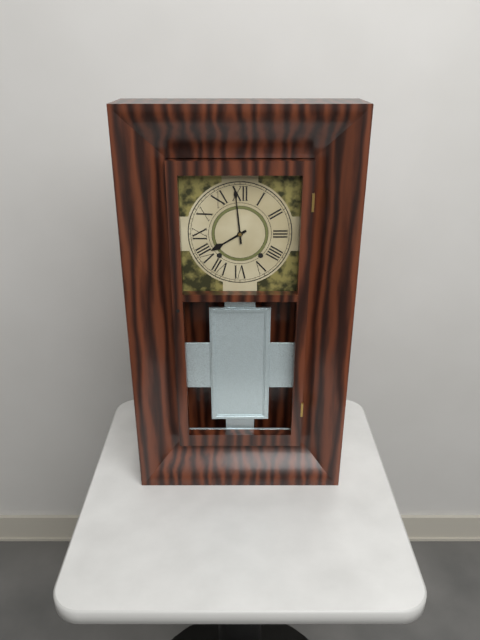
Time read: 7h59
